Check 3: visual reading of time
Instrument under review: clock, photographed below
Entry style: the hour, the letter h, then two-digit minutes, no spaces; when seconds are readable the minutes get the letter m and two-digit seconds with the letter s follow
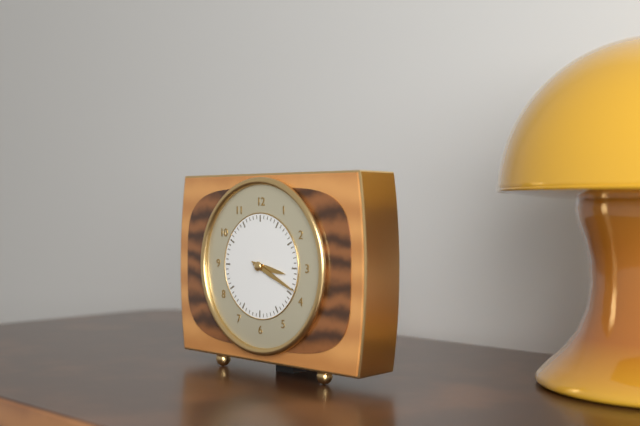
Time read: 3h19
